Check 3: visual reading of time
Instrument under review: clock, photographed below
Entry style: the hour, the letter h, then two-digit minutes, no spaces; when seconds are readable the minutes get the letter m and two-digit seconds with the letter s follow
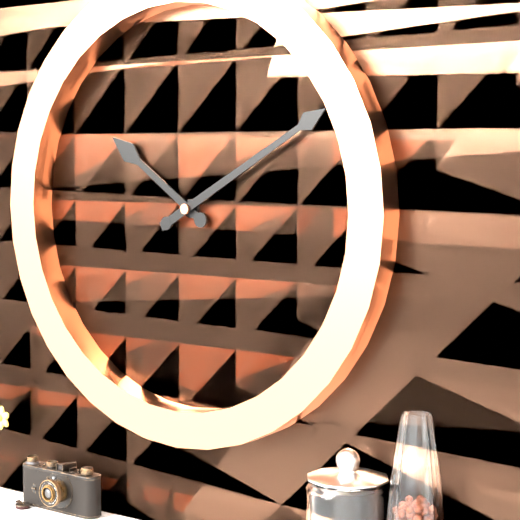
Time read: 10h10
